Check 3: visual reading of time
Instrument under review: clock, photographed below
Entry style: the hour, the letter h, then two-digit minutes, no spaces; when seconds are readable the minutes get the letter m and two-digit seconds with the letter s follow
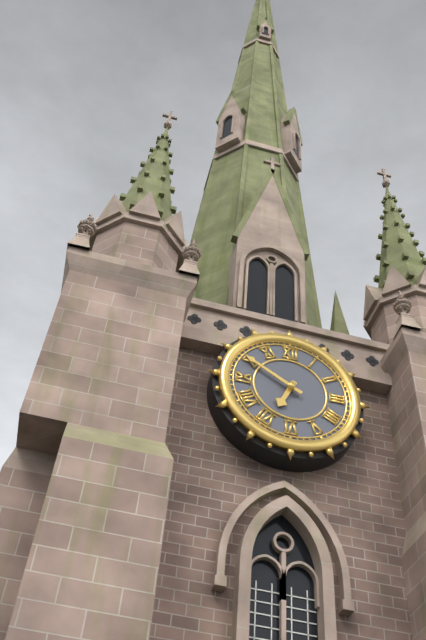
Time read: 6h50
